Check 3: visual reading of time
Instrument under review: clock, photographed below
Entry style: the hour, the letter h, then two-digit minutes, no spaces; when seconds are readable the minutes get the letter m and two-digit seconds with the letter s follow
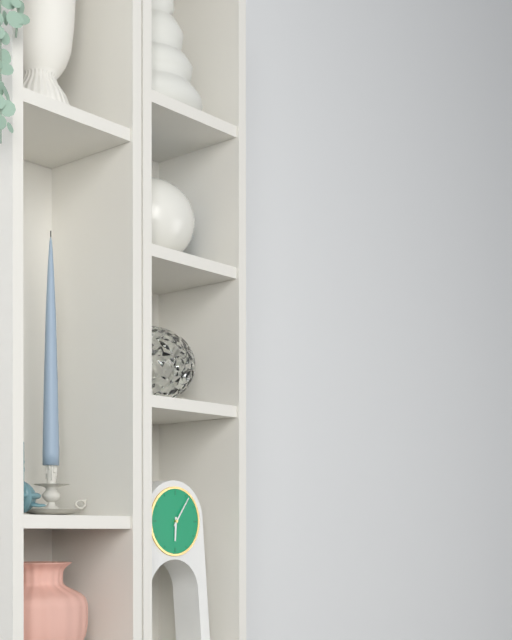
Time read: 6h06
